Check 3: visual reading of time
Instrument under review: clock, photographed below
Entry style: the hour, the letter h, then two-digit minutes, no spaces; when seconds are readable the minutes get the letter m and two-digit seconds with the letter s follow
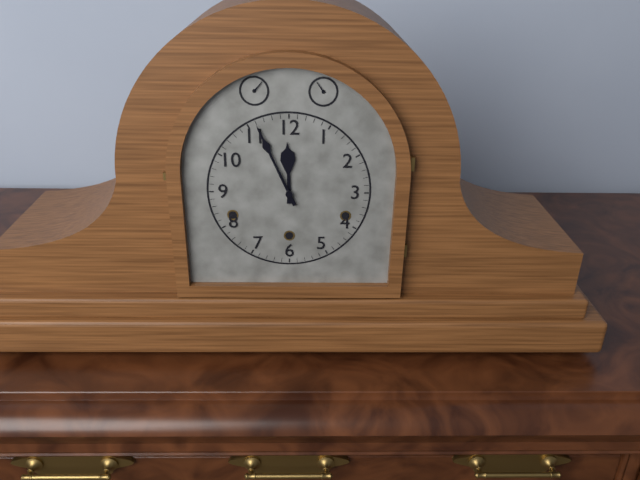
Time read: 11h56
